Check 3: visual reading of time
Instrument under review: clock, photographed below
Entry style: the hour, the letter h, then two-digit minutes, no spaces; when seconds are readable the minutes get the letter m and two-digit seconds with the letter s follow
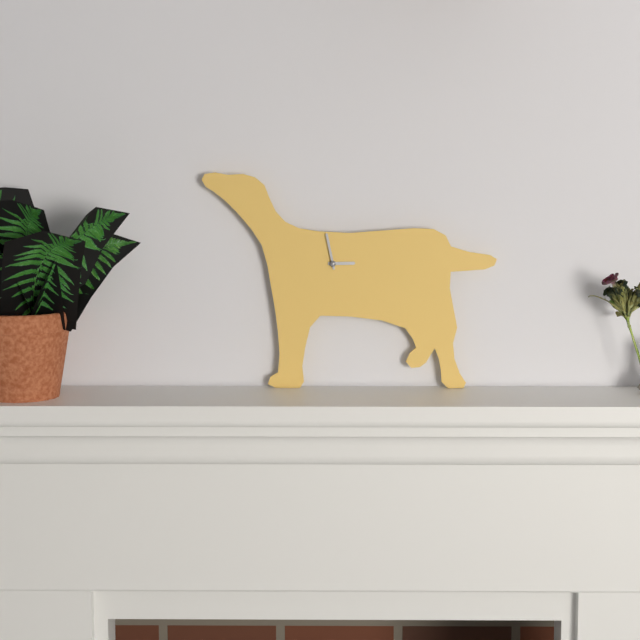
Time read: 2h58
